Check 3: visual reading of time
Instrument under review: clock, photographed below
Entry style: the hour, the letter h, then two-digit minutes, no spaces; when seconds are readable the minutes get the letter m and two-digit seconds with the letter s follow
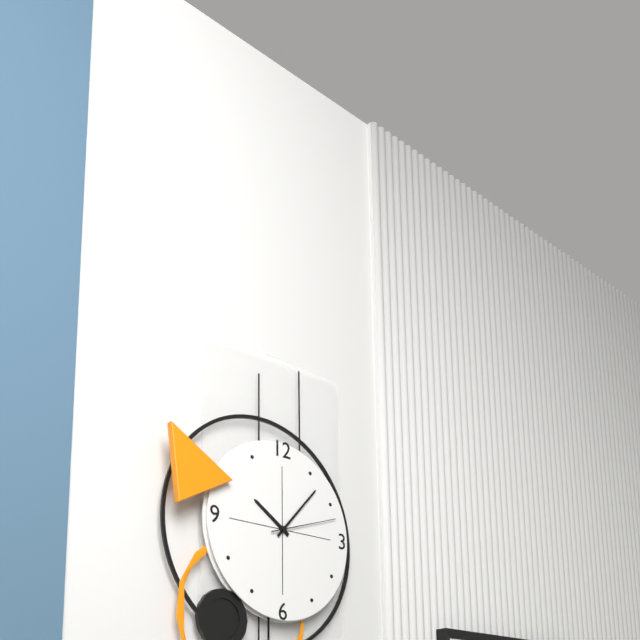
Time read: 10h07m12s
